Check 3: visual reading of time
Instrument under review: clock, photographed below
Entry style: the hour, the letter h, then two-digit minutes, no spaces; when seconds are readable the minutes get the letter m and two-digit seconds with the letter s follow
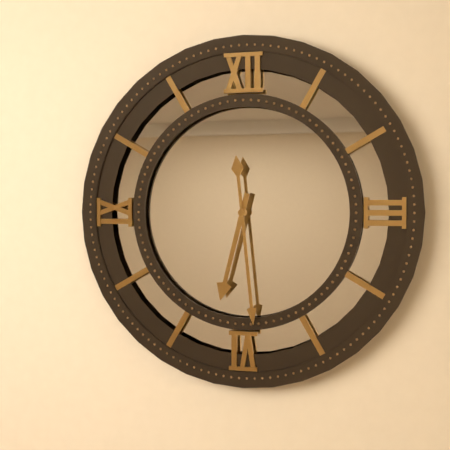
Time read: 6h29
